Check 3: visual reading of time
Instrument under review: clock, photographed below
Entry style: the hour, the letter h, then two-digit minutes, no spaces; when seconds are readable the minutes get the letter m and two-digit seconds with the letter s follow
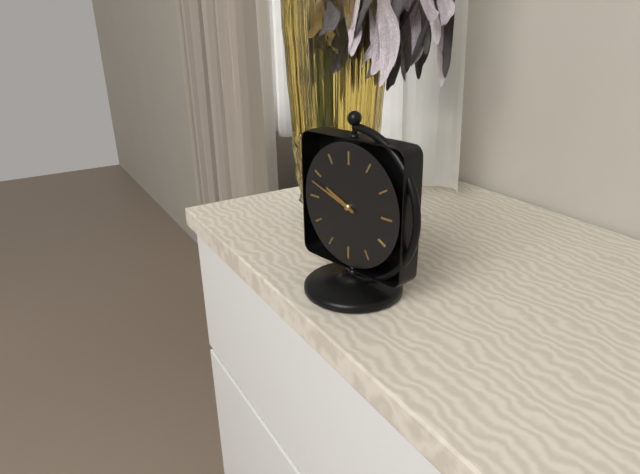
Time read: 9h48
